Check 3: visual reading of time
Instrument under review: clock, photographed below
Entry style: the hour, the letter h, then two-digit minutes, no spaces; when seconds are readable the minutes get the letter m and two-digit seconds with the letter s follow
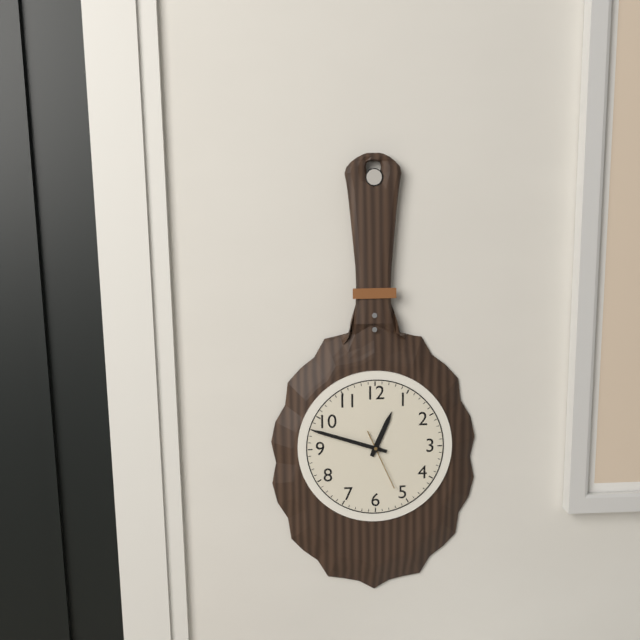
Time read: 12h48m26s
